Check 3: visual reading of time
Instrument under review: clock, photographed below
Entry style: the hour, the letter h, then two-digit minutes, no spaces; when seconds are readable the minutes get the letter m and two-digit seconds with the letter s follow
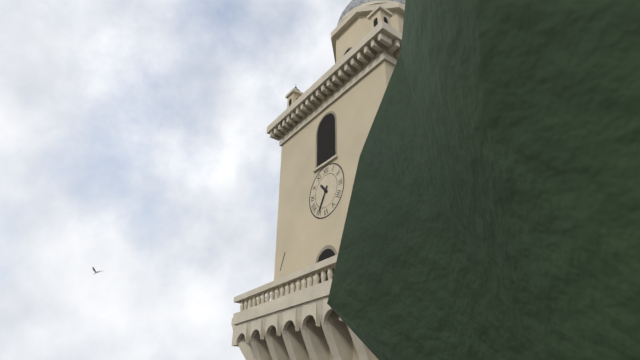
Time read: 10h35
